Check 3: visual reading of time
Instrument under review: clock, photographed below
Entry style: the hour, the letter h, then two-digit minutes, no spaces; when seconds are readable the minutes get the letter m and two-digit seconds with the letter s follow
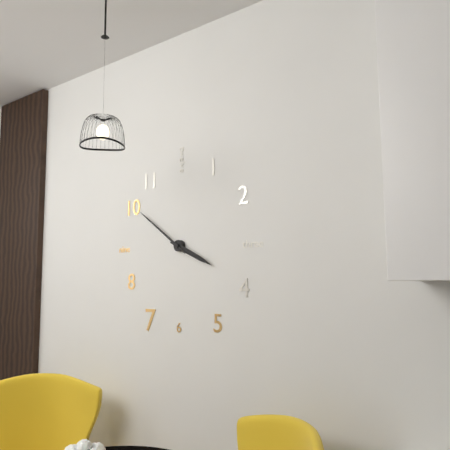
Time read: 3h51
